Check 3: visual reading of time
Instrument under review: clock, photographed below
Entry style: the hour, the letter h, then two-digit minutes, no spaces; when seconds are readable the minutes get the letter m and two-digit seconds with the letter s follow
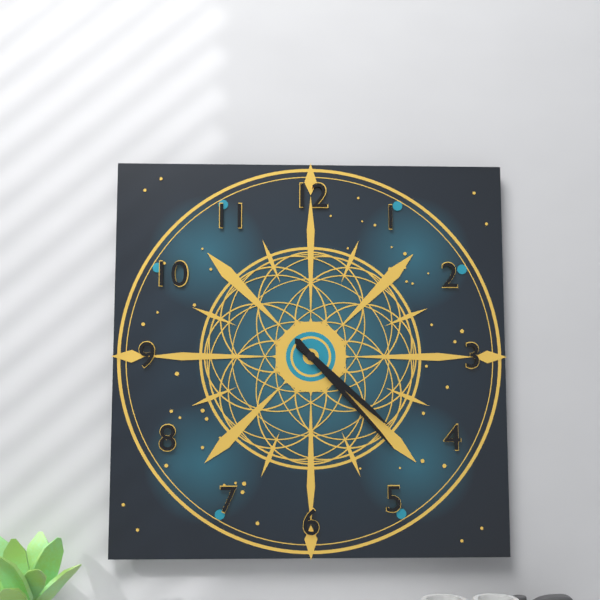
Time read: 4h23
